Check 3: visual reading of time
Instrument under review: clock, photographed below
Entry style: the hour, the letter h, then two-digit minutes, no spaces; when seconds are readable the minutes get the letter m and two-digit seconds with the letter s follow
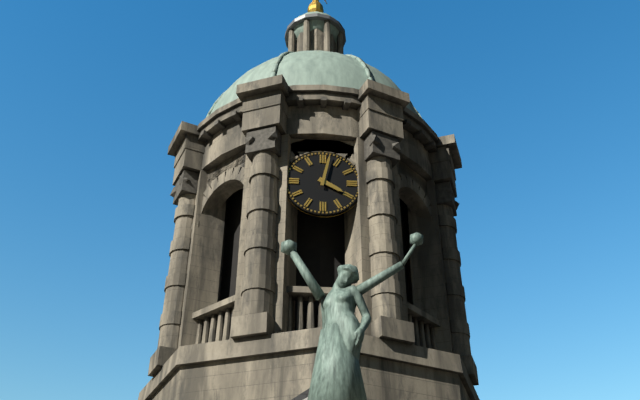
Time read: 4h02
